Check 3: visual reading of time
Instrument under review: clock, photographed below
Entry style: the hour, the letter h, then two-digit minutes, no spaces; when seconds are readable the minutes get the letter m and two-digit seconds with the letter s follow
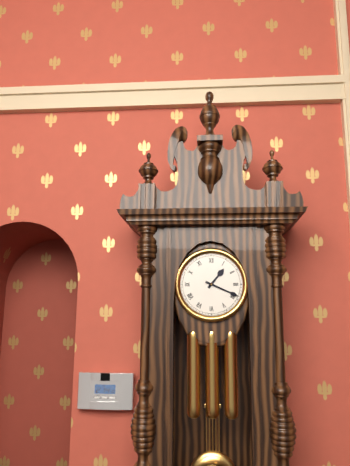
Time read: 1h19
